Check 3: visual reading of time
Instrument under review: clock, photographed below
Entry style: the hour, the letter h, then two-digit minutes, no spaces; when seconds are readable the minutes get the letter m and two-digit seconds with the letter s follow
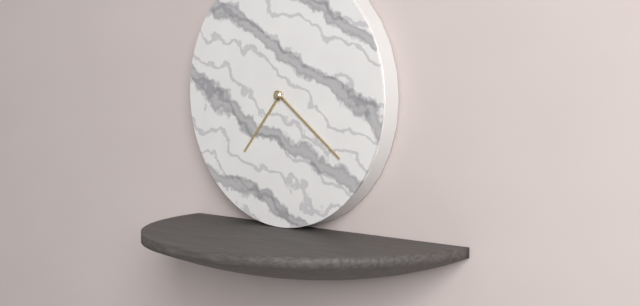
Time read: 7h21
